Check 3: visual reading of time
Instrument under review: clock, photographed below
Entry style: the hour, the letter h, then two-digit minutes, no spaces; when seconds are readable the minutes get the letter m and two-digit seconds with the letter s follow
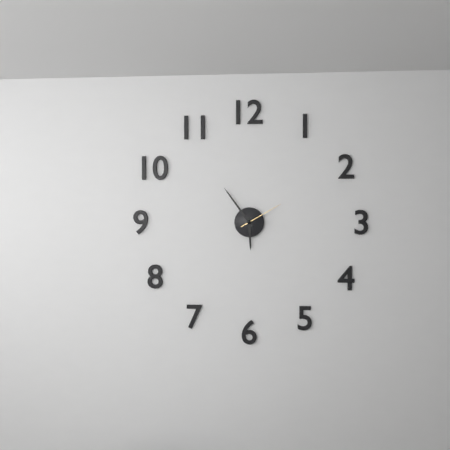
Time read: 5h54
